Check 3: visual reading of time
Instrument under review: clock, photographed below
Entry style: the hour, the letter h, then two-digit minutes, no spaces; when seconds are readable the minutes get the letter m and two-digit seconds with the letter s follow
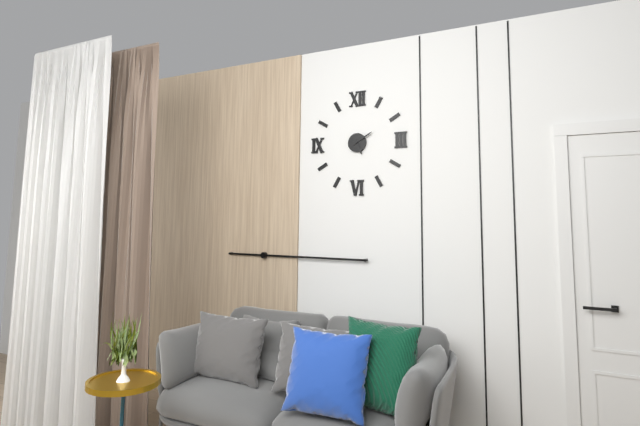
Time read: 5h10
